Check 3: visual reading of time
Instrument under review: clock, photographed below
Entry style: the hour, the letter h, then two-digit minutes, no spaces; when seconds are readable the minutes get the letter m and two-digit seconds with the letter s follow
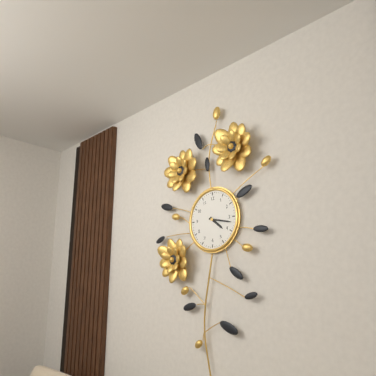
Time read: 4h17
